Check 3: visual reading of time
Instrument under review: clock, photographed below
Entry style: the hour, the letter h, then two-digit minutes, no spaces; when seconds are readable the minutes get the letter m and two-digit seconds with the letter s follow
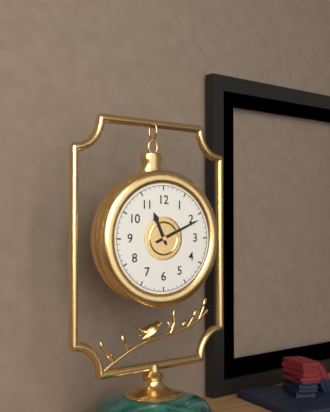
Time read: 11h11
